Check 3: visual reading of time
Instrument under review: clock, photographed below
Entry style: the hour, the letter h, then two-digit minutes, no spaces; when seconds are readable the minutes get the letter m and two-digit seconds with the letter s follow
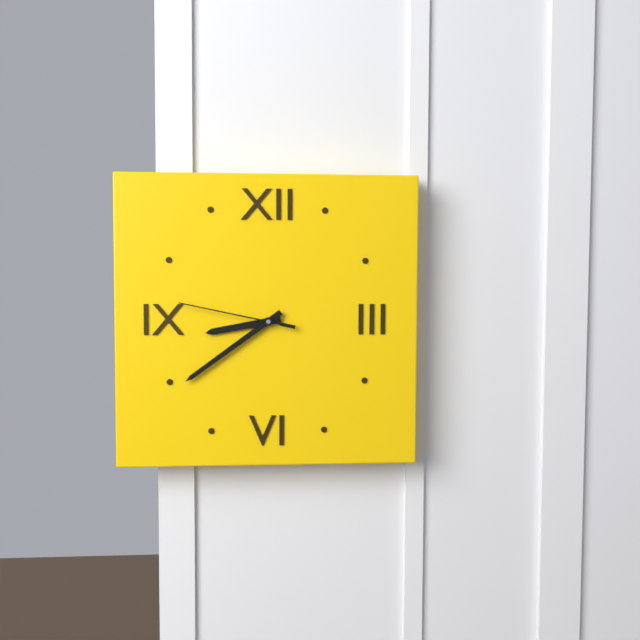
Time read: 8h39m47s
